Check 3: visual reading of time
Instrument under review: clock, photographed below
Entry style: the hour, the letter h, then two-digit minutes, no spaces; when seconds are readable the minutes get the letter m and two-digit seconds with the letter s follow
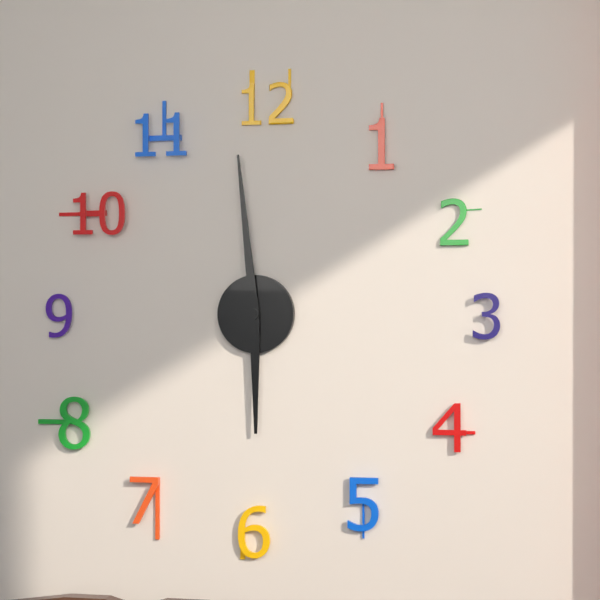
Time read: 5h59
